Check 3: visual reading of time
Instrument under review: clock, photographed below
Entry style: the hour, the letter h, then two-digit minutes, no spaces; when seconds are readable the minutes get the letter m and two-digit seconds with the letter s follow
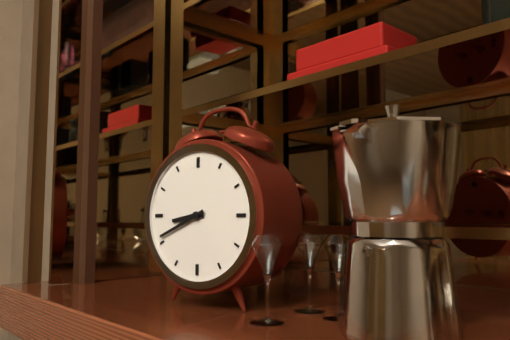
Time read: 8h41
